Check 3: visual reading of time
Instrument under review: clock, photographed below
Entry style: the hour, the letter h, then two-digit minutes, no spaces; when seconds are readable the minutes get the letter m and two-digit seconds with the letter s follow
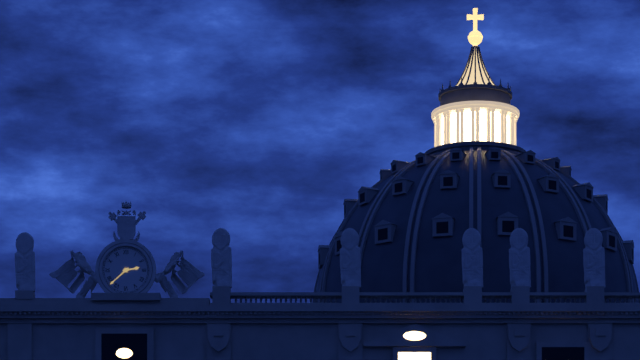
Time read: 2h38
